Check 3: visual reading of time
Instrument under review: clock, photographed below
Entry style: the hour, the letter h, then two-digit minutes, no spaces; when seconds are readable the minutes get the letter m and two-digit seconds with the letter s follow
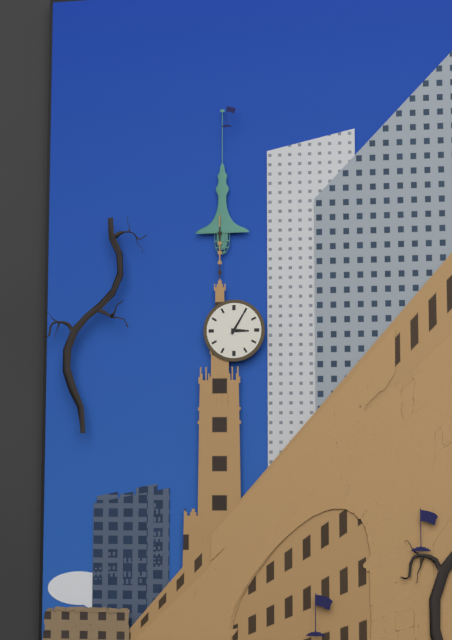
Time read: 3h05
